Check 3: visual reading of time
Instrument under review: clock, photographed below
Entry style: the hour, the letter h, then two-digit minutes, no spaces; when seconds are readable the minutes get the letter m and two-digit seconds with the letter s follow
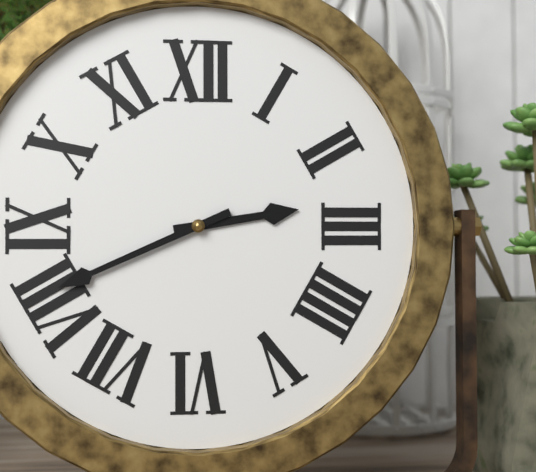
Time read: 2h41
